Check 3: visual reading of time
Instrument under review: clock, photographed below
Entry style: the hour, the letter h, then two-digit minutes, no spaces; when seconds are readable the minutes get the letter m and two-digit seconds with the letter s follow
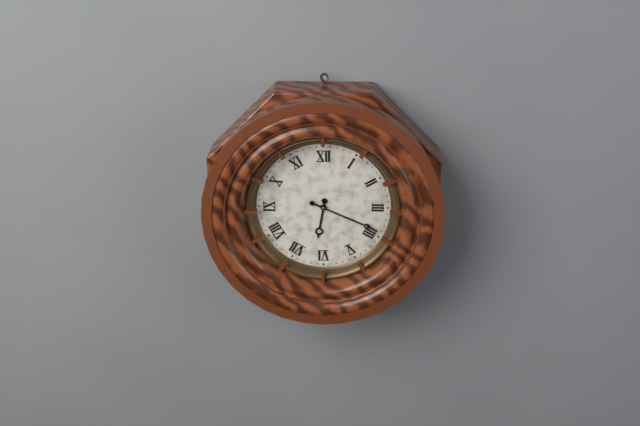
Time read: 6h19
